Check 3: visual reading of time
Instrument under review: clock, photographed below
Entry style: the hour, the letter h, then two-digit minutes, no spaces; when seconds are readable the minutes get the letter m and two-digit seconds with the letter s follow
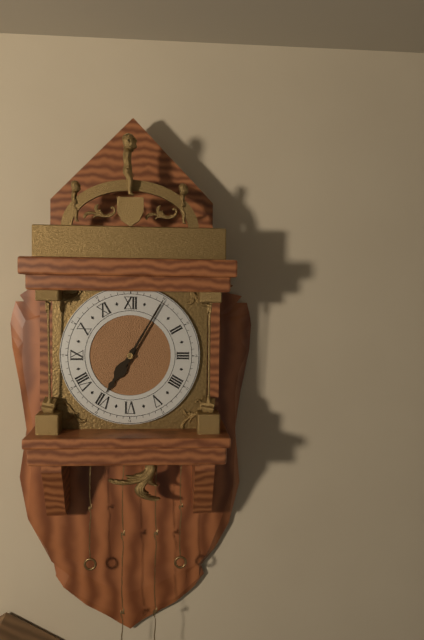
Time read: 7h05
